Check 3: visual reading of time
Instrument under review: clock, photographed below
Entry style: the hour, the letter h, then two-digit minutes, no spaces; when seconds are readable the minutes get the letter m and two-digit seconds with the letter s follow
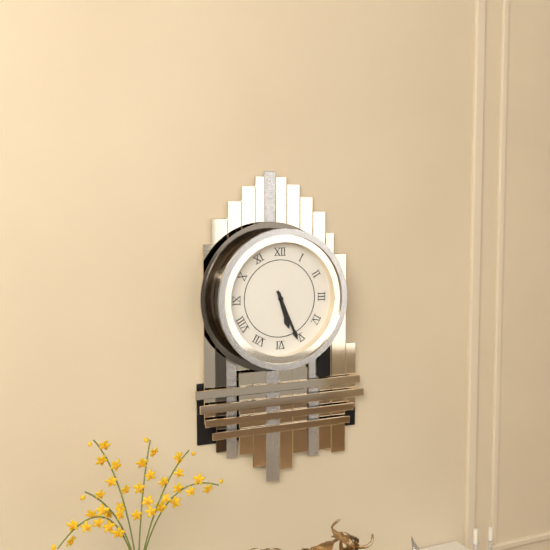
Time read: 5h26
